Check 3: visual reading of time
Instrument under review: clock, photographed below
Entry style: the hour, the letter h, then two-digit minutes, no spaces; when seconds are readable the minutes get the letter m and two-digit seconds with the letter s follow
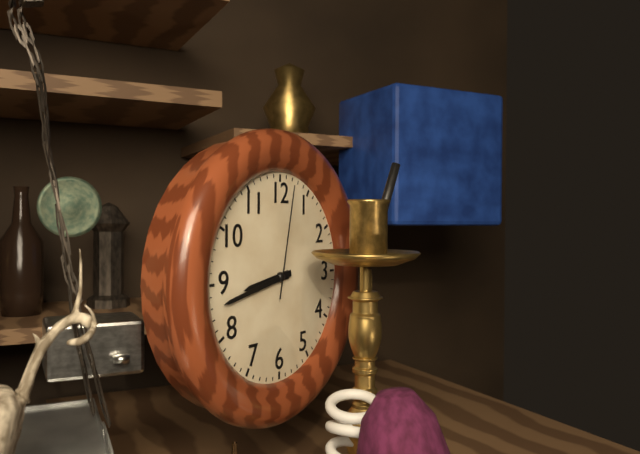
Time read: 8h43m02s
